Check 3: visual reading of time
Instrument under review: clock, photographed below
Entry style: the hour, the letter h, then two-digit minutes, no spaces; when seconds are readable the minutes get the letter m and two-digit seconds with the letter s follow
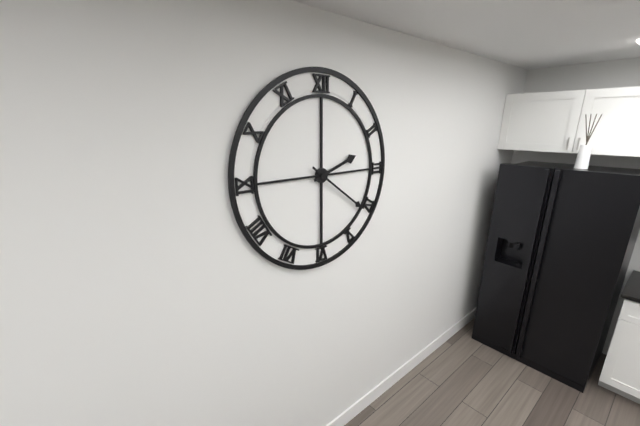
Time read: 2h21
